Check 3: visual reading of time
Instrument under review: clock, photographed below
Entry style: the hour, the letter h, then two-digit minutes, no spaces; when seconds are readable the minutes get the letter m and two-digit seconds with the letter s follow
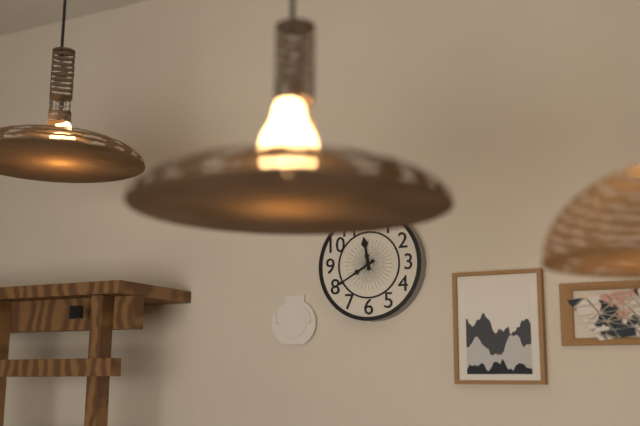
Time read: 11h40
